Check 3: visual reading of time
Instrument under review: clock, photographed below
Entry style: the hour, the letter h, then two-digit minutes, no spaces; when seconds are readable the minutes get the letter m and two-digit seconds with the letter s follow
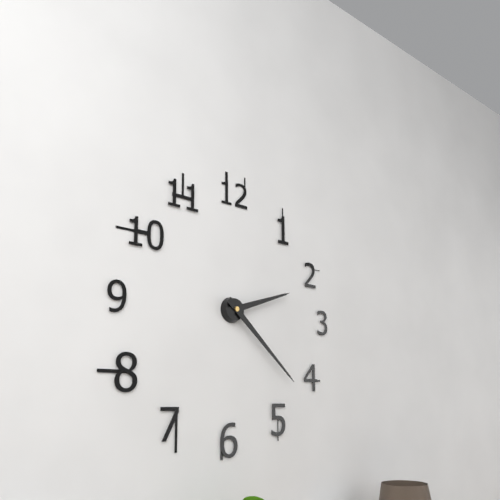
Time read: 2h22
